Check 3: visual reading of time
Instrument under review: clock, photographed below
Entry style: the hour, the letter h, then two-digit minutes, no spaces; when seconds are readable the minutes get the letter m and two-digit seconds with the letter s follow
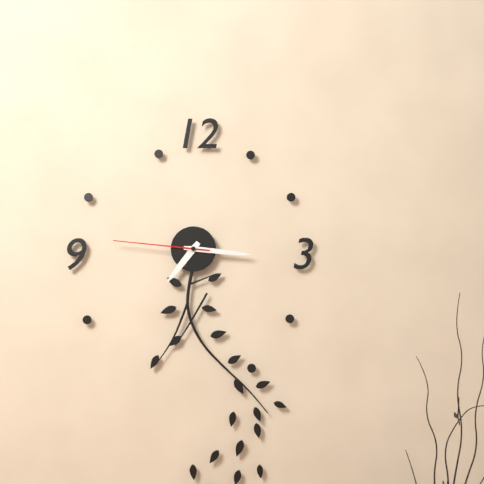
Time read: 7h16m46s
